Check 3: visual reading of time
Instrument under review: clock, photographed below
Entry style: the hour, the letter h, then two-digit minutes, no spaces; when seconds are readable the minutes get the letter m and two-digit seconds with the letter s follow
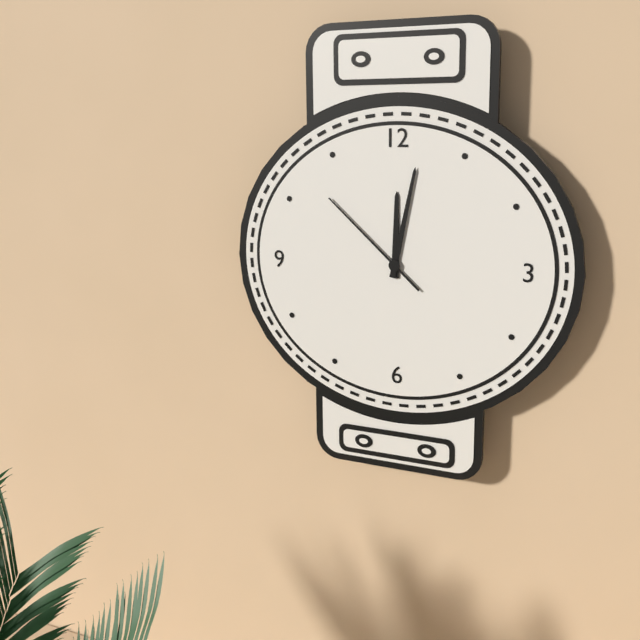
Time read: 12h02m52s
